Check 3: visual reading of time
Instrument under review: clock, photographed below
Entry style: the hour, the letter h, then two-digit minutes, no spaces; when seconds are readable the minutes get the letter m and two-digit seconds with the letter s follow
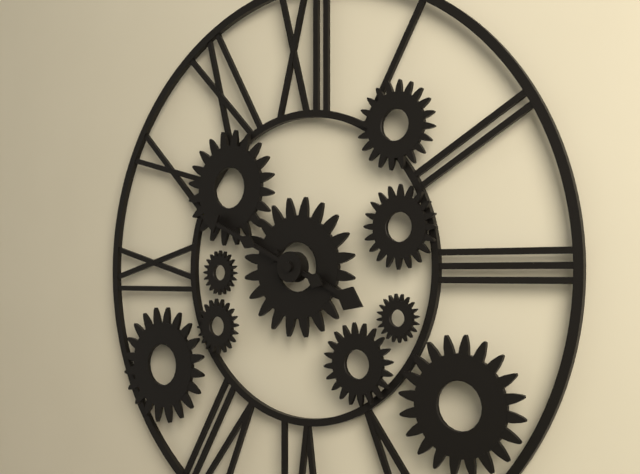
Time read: 3h49
